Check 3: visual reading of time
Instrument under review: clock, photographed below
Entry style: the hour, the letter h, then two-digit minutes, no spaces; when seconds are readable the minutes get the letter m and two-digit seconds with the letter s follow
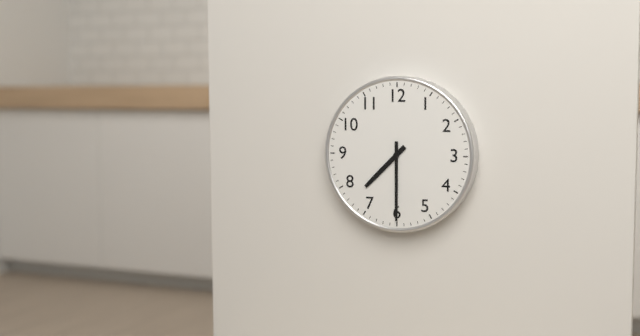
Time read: 7h30
